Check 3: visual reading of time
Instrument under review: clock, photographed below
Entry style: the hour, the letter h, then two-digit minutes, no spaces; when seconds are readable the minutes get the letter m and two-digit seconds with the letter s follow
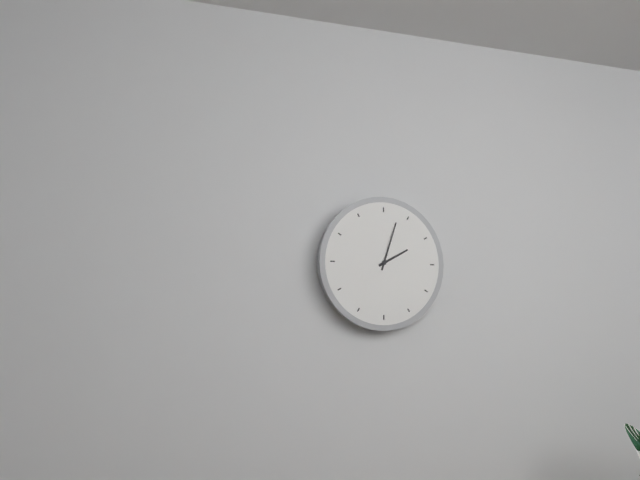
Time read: 2h03
